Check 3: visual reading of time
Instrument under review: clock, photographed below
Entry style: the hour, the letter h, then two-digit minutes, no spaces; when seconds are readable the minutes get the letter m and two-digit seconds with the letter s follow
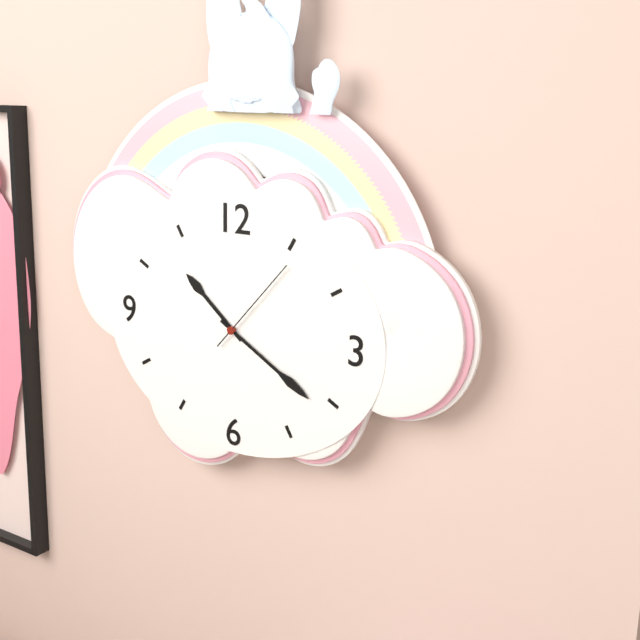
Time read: 10h20m07s
